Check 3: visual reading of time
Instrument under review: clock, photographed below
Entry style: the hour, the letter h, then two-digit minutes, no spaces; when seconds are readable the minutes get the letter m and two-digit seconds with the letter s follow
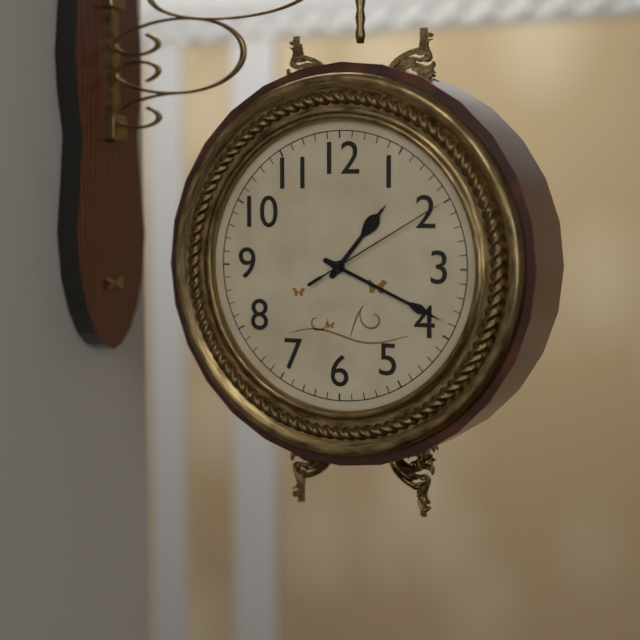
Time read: 1h19m10s
